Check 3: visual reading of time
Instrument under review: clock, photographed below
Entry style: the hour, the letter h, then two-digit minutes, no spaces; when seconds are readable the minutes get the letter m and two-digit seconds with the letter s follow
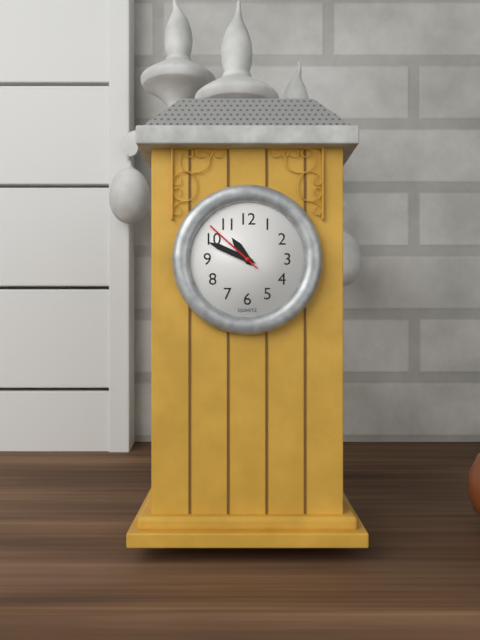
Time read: 10h49m52s
